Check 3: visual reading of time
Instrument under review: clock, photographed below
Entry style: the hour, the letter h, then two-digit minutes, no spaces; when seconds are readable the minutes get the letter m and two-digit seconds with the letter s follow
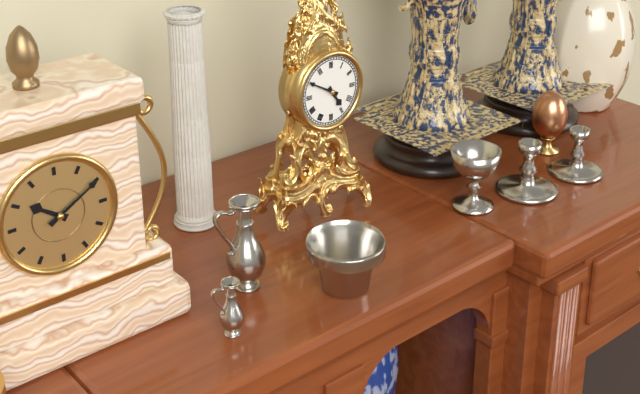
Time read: 4h50
